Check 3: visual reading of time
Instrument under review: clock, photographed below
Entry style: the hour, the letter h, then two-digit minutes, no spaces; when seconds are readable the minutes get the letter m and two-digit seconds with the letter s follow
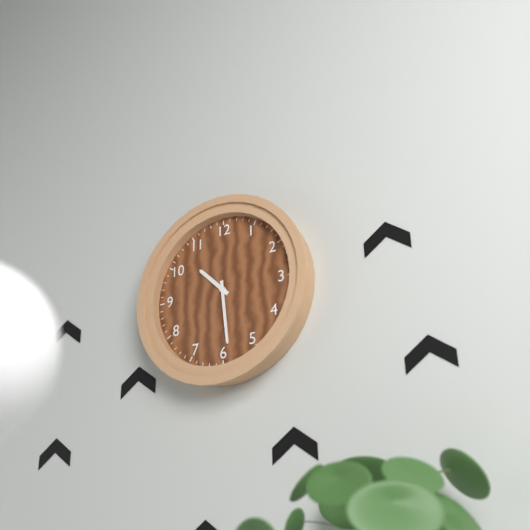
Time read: 10h29
